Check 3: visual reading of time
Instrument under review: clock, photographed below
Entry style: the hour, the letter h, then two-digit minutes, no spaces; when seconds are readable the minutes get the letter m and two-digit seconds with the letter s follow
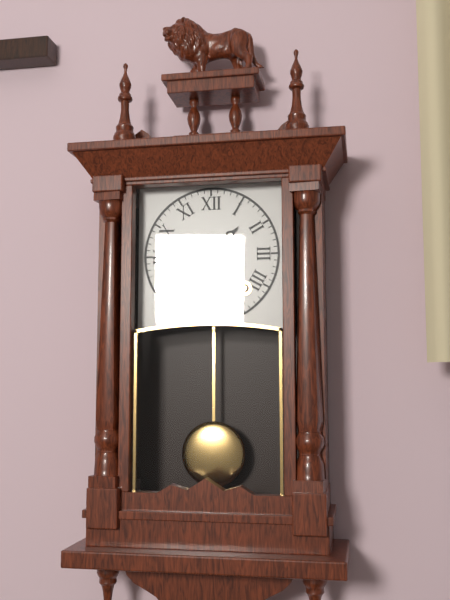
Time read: 1h31
